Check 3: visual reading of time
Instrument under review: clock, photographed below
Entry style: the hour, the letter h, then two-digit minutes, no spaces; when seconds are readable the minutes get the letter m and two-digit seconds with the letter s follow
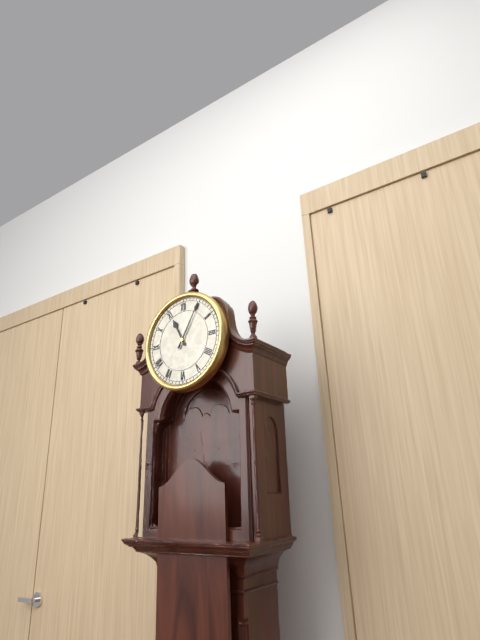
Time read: 11h05
